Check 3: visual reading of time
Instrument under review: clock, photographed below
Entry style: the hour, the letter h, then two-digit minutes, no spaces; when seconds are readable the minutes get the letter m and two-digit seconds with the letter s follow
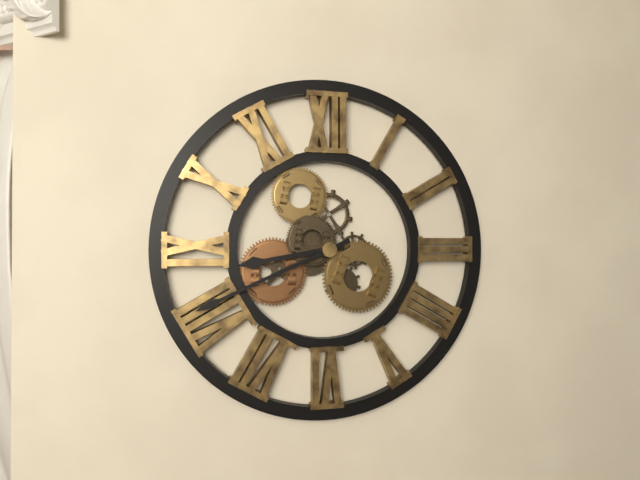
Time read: 8h41
